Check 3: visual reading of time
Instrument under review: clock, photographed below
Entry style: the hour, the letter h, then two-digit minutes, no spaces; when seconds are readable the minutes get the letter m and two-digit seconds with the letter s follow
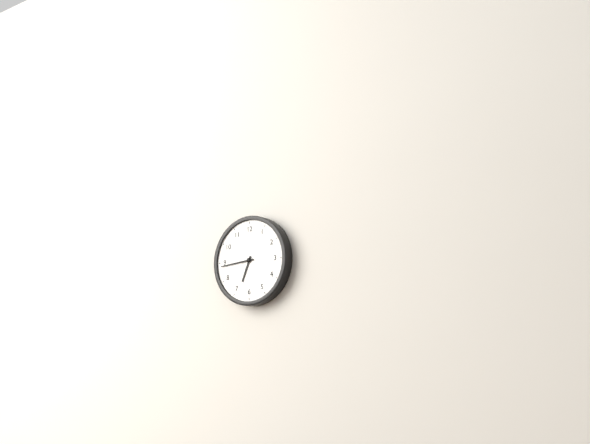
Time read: 6h44
